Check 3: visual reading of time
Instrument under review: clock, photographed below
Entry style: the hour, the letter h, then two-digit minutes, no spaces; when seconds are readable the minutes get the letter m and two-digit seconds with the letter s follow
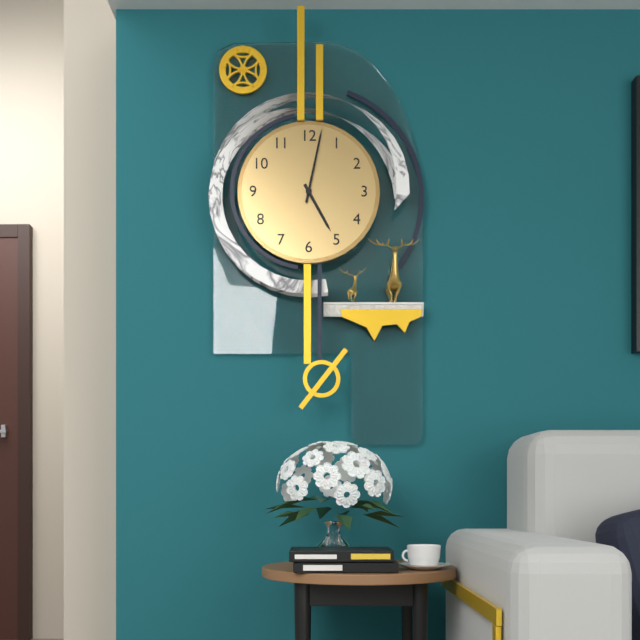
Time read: 5h02
